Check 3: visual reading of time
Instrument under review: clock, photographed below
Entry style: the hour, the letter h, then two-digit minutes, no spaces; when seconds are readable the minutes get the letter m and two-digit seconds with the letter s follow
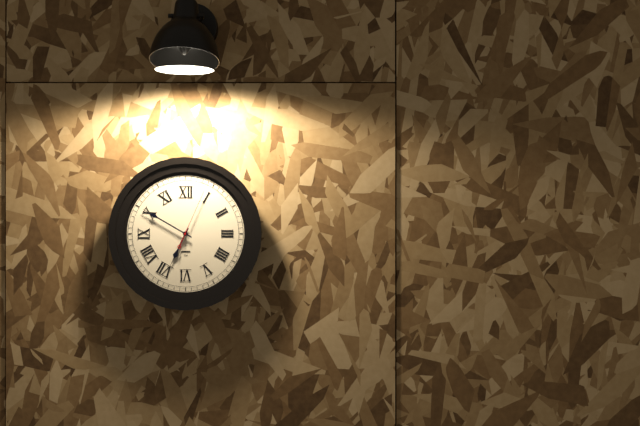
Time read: 6h50m04s
